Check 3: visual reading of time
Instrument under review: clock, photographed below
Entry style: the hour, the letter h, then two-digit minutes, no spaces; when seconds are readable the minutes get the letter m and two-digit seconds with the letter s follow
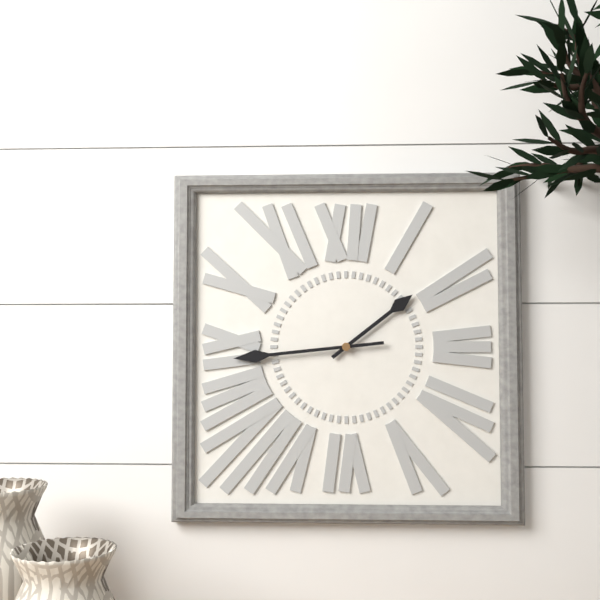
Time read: 1h44
